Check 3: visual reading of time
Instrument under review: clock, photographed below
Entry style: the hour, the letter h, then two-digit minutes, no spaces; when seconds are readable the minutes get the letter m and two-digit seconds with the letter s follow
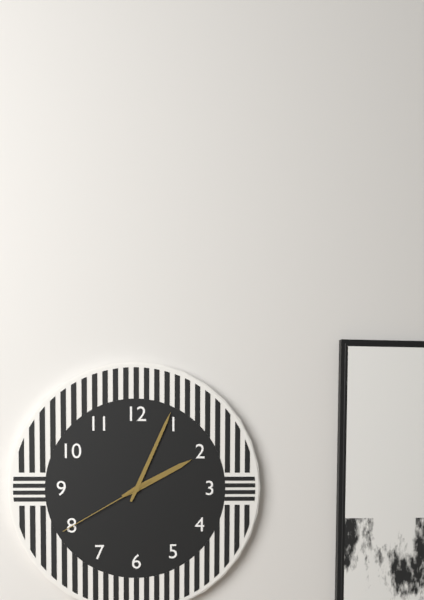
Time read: 2h04m40s
